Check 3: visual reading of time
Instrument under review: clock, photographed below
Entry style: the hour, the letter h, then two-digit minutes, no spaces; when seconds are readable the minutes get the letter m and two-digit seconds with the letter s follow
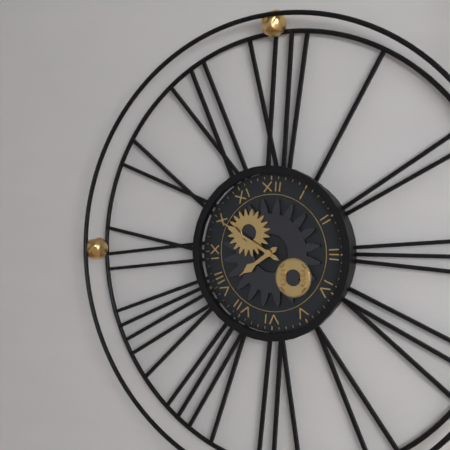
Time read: 7h50
